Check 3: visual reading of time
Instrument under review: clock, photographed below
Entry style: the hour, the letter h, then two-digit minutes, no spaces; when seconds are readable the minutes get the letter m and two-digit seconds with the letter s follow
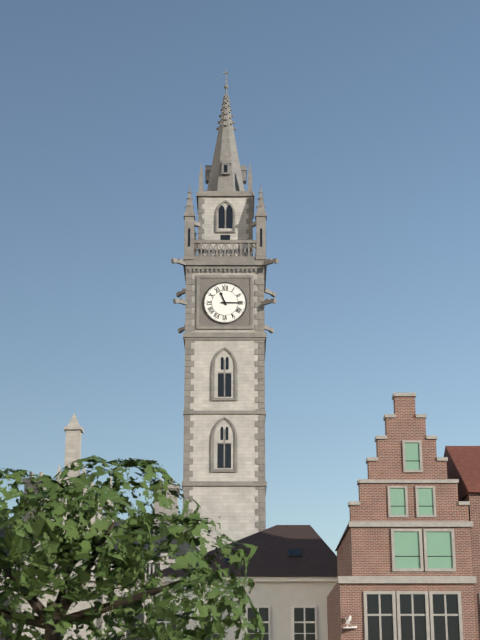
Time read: 11h15
